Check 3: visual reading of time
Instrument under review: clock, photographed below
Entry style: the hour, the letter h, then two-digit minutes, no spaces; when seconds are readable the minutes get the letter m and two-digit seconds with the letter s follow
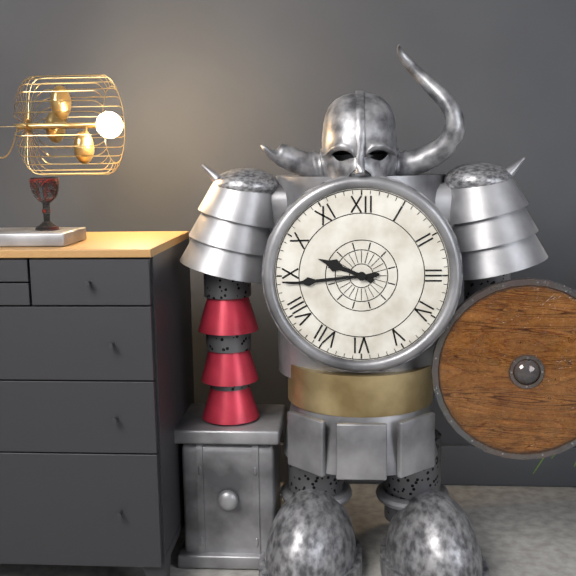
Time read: 9h44
